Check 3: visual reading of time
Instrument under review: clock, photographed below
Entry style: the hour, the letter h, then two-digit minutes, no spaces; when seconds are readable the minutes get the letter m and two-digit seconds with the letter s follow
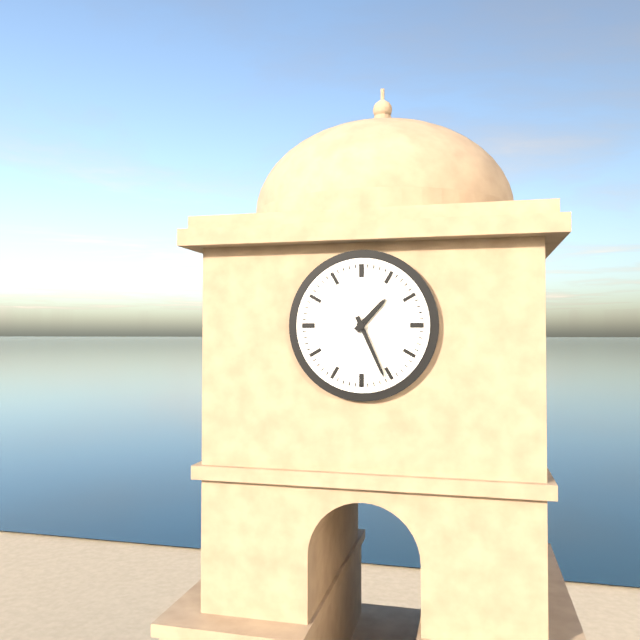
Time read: 1h26
